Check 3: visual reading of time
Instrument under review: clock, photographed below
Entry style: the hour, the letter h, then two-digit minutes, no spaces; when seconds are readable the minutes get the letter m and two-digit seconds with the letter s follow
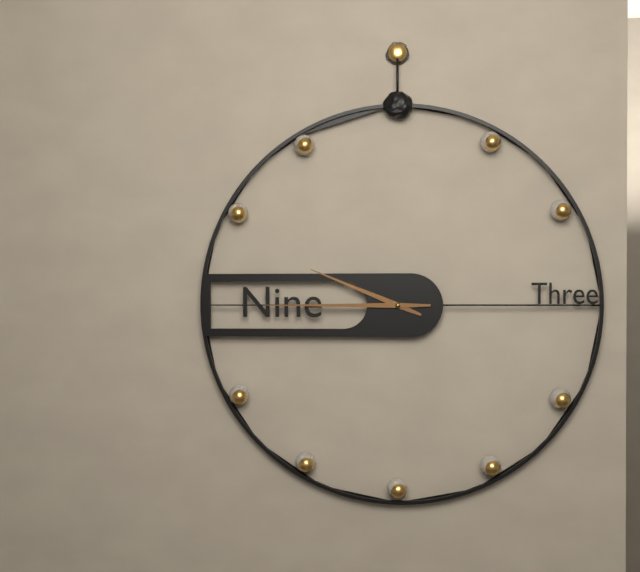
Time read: 9h45
